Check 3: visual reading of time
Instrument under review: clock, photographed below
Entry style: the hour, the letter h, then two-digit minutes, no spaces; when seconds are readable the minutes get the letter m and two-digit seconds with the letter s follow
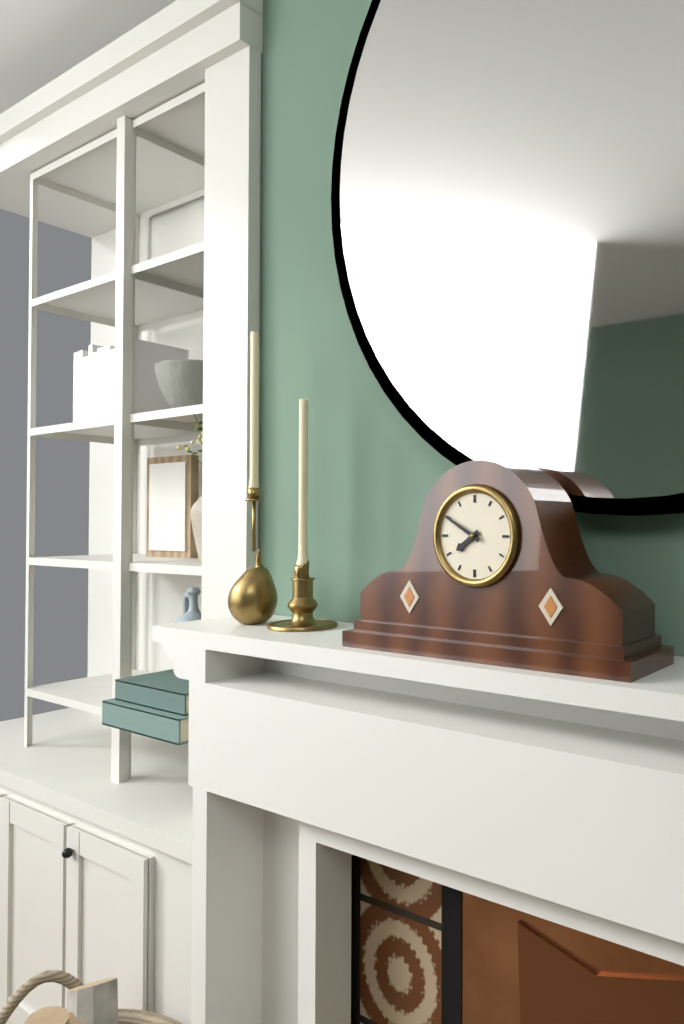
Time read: 7h50
